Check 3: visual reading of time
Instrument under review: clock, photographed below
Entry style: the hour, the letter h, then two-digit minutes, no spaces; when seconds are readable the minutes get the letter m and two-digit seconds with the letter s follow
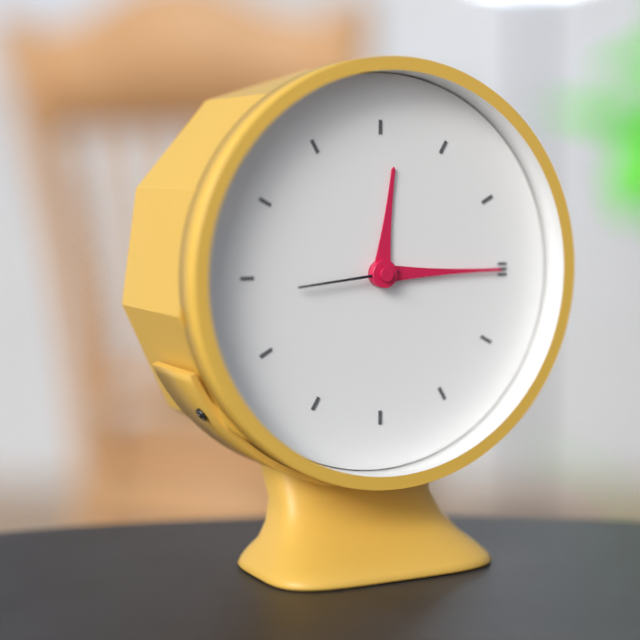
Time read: 12h15m44s
